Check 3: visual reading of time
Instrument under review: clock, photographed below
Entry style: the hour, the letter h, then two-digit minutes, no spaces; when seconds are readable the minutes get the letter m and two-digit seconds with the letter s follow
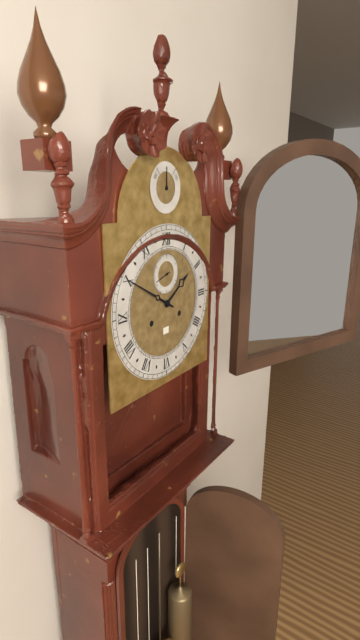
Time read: 1h50
